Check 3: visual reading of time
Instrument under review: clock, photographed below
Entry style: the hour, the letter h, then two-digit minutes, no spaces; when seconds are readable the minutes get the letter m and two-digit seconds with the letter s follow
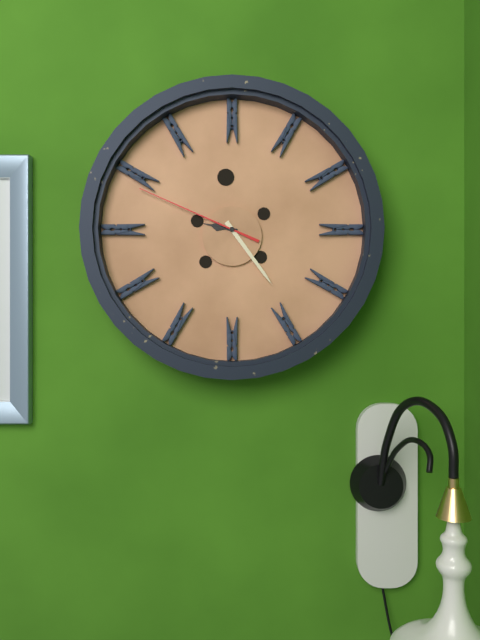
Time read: 9h24m49s
